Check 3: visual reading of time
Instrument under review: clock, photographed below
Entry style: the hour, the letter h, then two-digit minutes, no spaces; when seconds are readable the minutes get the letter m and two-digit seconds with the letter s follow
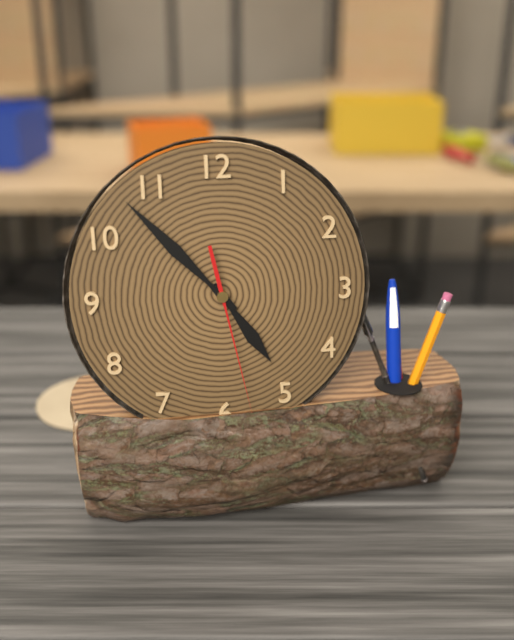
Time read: 4h53m28s
